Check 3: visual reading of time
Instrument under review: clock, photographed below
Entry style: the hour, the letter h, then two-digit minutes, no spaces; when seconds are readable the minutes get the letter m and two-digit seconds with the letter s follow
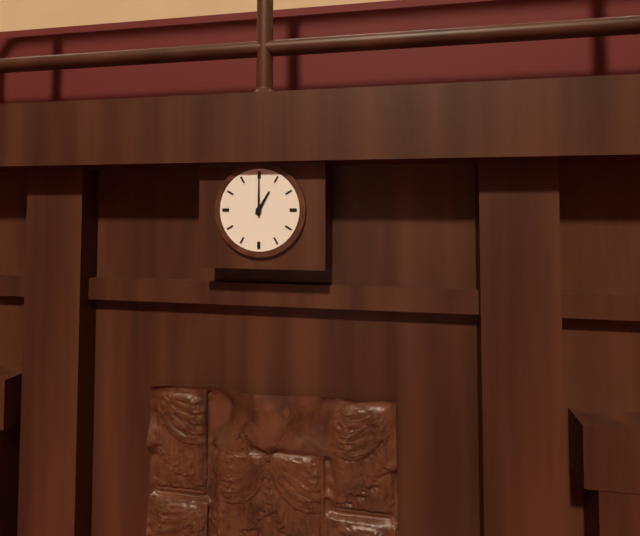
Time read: 1h00
